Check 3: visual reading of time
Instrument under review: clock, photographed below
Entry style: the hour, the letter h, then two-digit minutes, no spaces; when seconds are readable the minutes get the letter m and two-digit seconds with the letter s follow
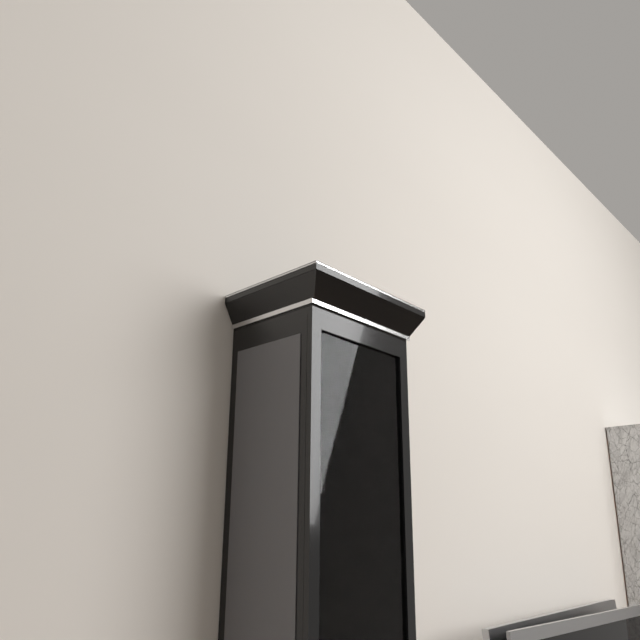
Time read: 2h08
